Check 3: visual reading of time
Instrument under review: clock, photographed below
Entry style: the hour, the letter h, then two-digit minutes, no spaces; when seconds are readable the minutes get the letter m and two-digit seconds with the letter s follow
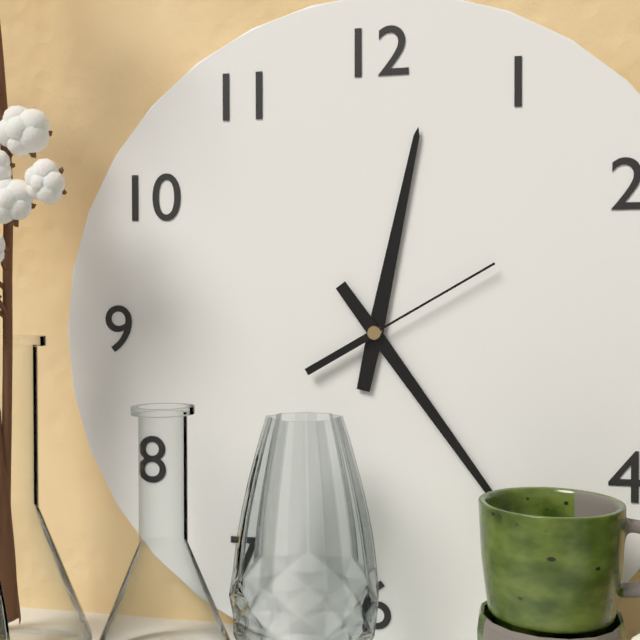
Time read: 12h24m10s
